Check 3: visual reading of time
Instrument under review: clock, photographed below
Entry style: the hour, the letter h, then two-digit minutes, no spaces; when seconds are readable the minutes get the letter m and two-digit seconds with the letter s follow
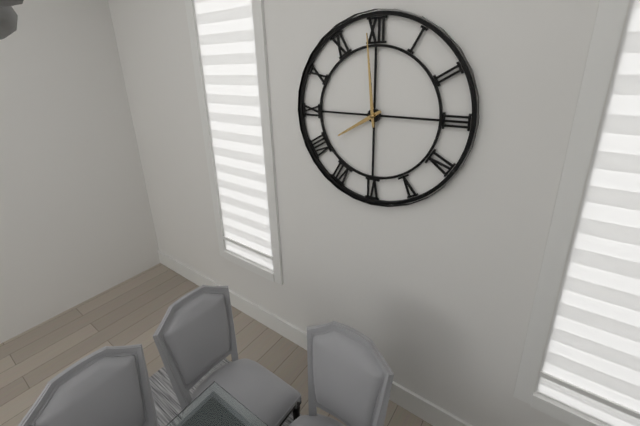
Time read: 7h59
